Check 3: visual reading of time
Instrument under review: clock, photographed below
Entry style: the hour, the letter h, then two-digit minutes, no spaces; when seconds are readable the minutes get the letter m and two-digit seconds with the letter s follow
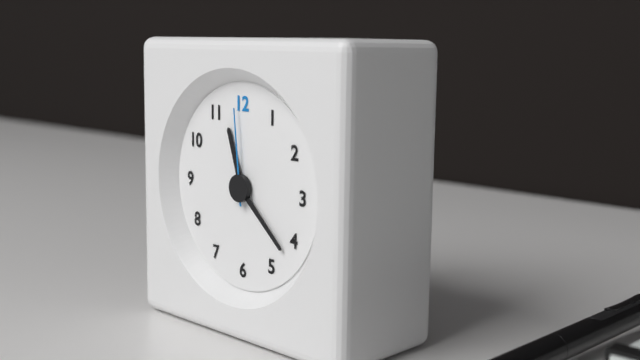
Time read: 11h22m59s
